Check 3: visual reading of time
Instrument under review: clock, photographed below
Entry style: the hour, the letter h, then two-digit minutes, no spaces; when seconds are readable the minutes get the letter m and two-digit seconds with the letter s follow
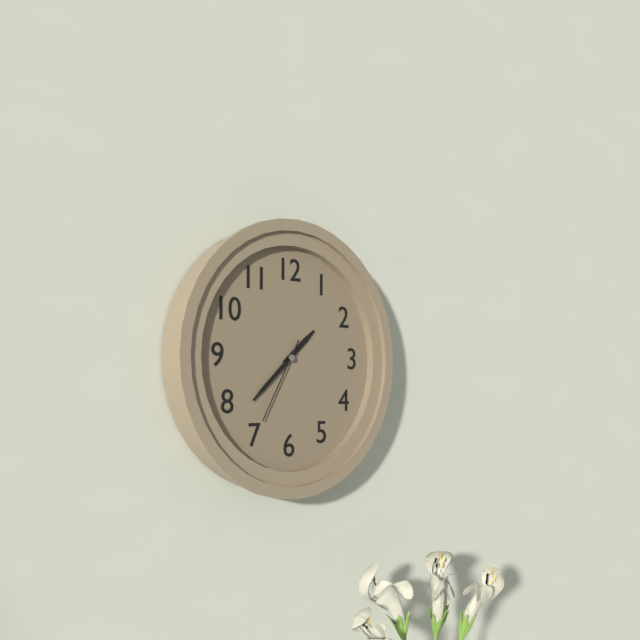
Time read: 1h38m35s
